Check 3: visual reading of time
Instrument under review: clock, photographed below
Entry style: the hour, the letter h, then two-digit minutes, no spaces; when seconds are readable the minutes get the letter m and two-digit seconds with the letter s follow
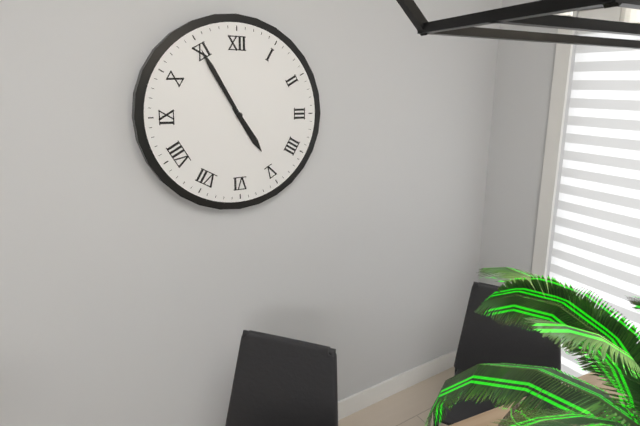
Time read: 4h55
